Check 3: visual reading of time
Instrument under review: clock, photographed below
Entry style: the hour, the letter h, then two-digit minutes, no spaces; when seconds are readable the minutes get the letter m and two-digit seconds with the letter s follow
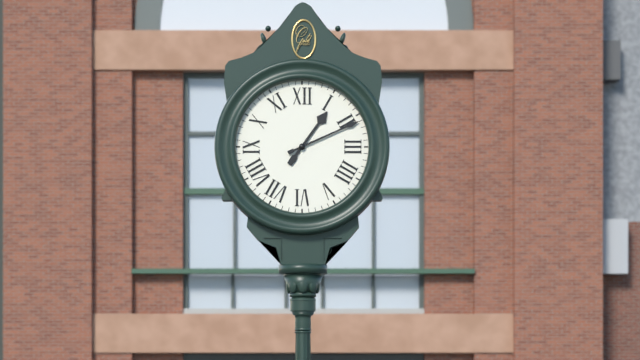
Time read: 1h11
